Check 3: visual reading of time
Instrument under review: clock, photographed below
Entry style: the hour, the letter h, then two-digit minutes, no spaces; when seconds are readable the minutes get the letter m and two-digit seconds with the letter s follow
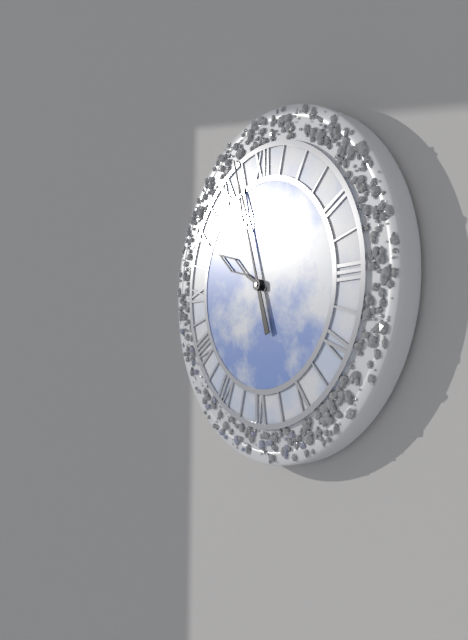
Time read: 9h57
